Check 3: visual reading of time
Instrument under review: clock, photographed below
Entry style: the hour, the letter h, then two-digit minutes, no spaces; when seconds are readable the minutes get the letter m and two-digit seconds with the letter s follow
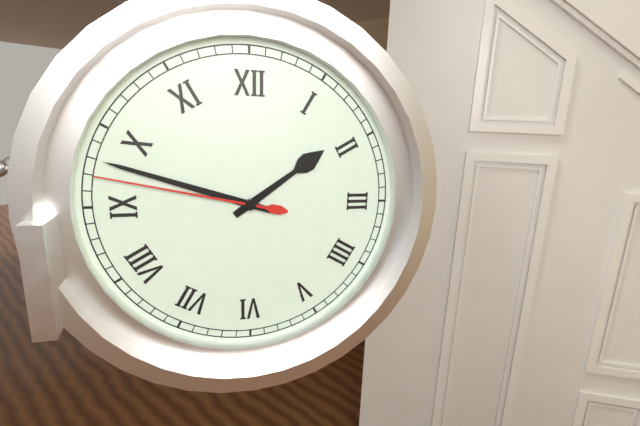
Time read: 1h48m47s
